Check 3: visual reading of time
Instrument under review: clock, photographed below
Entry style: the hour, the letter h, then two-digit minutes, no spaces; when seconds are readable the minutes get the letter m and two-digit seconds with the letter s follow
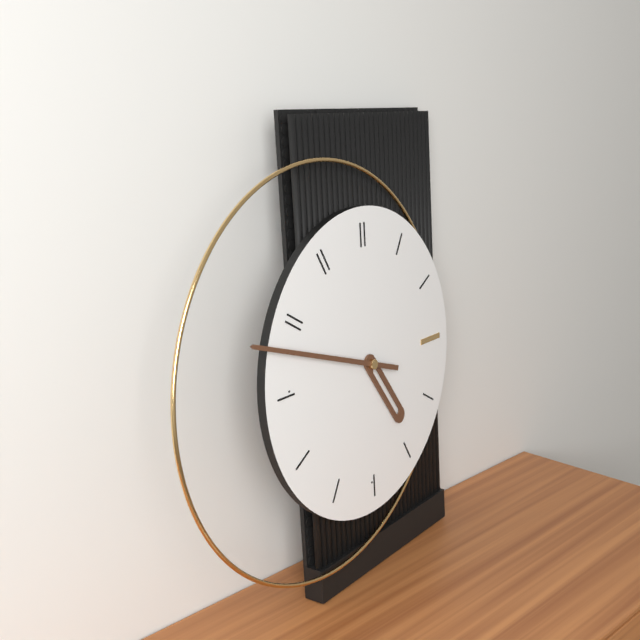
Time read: 4h48
